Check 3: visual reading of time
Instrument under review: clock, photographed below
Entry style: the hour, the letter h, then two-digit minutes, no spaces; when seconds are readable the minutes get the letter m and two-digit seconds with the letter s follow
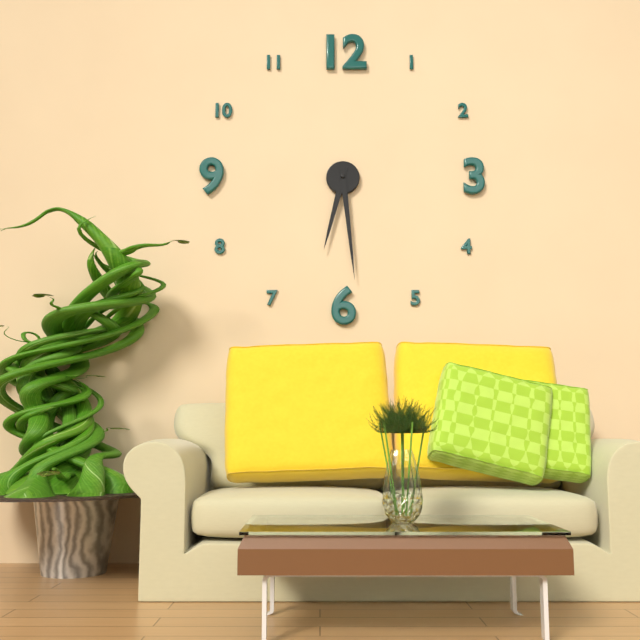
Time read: 6h29
